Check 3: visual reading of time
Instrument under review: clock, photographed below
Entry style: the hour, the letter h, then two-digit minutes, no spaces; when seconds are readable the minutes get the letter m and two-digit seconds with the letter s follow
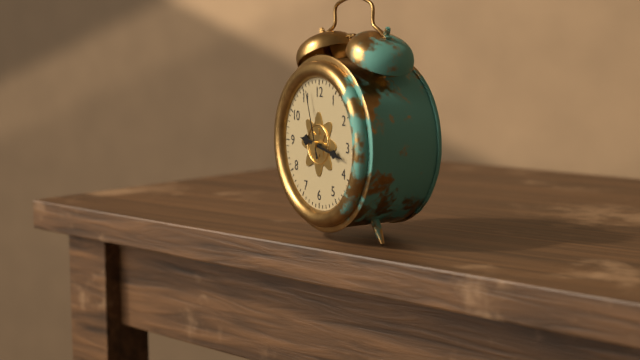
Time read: 9h17m57s
